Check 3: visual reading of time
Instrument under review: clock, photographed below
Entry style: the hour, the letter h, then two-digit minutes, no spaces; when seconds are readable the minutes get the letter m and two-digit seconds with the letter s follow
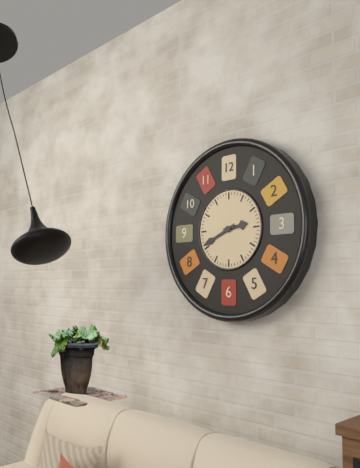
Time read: 2h41
